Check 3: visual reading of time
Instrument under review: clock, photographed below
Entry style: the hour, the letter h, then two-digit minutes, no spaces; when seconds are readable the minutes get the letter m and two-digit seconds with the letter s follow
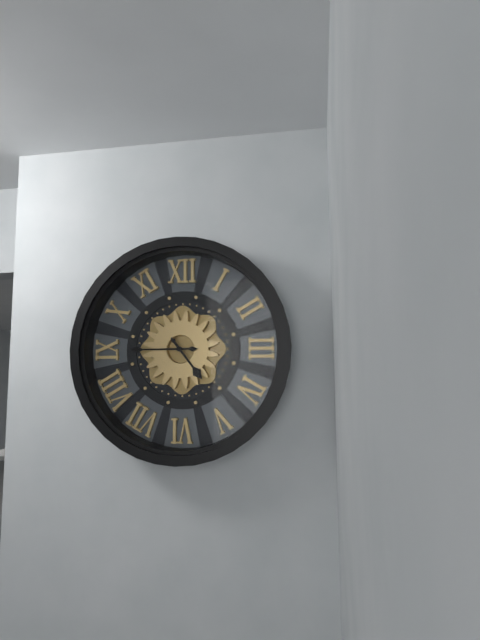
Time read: 4h45
